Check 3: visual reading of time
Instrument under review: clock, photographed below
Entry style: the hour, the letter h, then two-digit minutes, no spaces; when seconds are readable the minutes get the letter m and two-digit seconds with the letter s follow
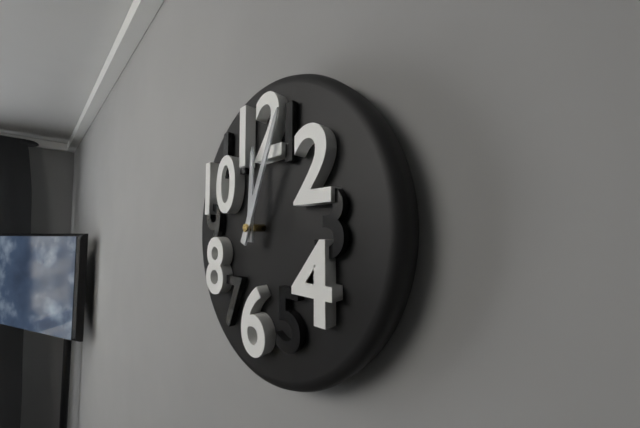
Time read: 12h04
